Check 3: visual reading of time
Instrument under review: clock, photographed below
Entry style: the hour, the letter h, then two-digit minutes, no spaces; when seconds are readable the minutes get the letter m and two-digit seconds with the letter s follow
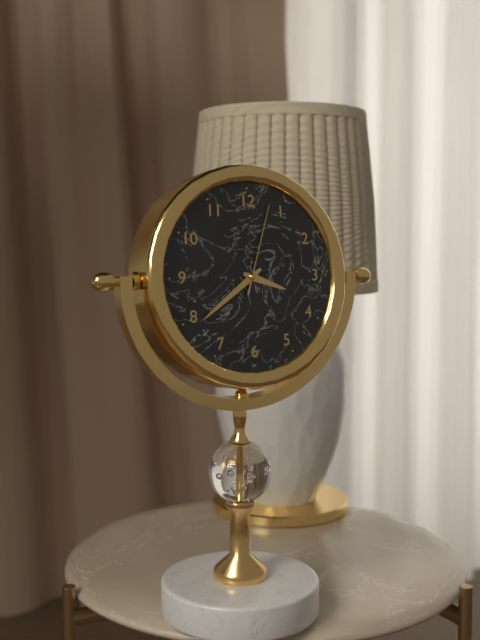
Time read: 3h39m03s
